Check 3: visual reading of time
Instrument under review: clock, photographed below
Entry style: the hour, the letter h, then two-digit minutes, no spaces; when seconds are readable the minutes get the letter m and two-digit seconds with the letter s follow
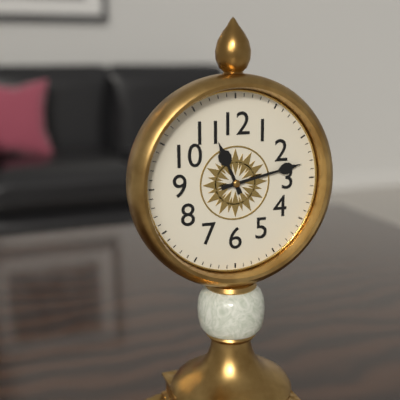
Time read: 11h13
